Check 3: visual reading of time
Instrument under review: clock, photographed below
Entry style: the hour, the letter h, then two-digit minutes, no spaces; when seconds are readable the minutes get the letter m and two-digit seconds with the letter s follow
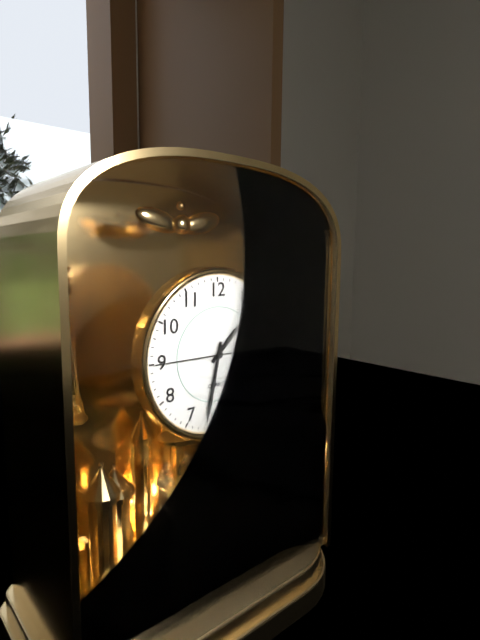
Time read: 1h32m45s
